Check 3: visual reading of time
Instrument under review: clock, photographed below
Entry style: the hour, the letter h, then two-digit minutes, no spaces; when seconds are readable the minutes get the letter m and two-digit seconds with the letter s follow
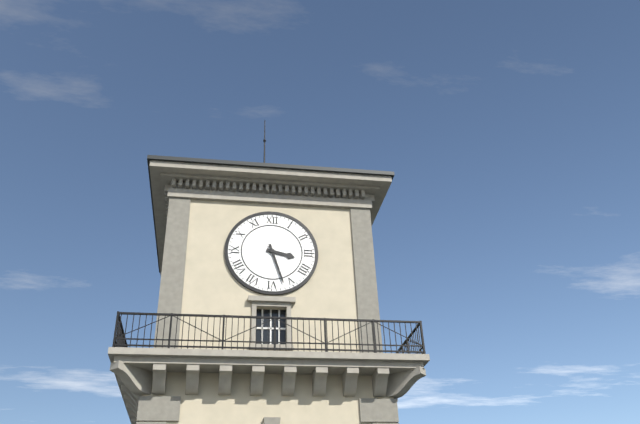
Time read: 3h27
